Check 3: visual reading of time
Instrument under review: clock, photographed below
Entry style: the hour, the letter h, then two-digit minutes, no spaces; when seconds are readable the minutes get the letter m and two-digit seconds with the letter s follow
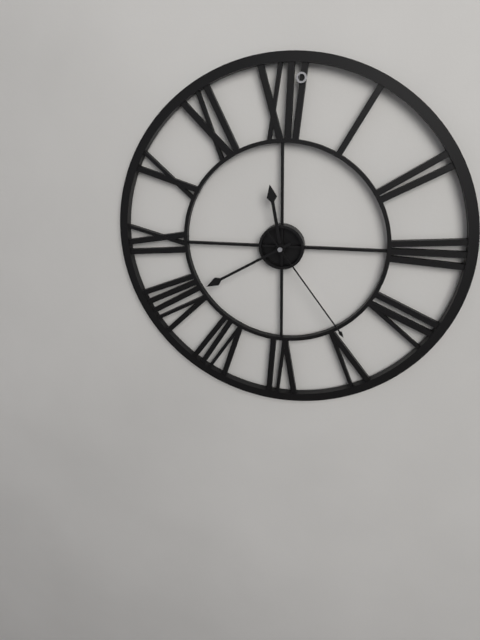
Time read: 11h40m24s
